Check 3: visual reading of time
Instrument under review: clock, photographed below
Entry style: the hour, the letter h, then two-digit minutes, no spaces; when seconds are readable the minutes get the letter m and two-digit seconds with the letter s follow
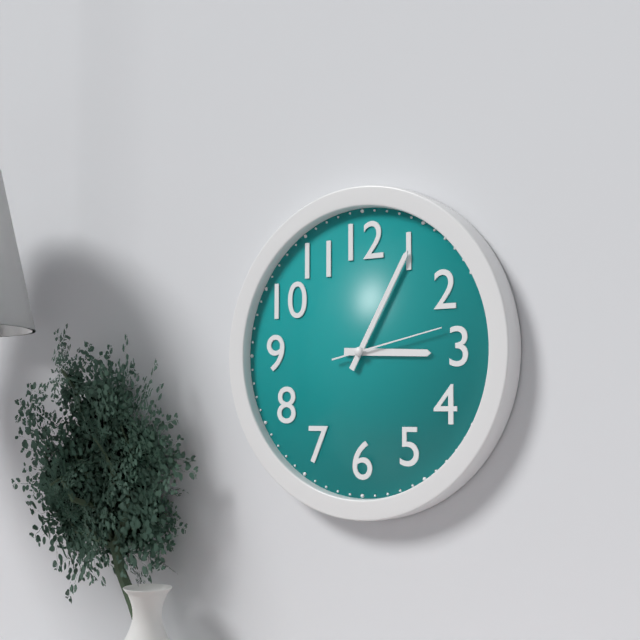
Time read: 3h05m13s
